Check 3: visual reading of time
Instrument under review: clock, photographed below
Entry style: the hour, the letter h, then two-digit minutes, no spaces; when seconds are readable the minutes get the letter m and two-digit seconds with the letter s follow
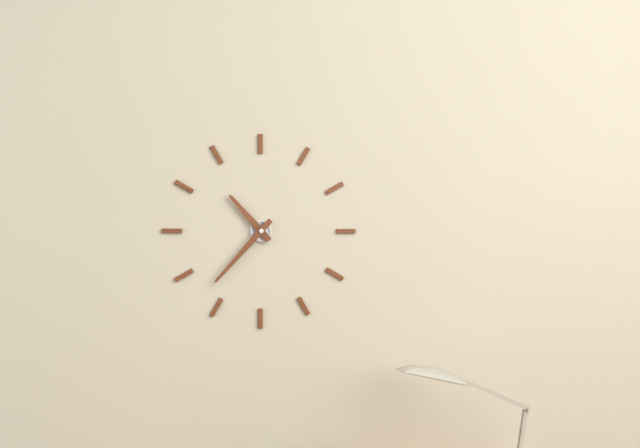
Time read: 10h37
